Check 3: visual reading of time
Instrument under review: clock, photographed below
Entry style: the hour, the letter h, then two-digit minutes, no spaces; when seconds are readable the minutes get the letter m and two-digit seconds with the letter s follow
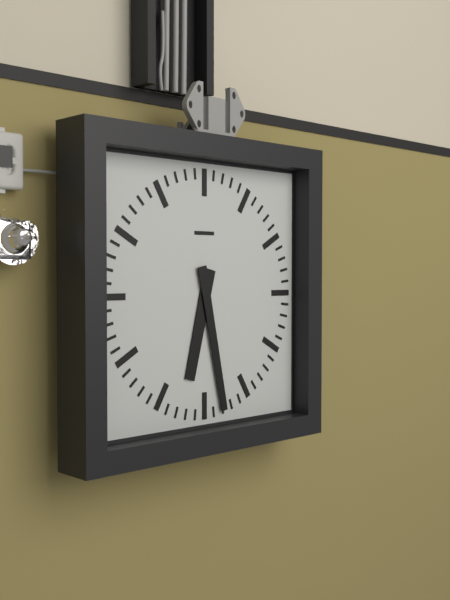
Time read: 6h28
